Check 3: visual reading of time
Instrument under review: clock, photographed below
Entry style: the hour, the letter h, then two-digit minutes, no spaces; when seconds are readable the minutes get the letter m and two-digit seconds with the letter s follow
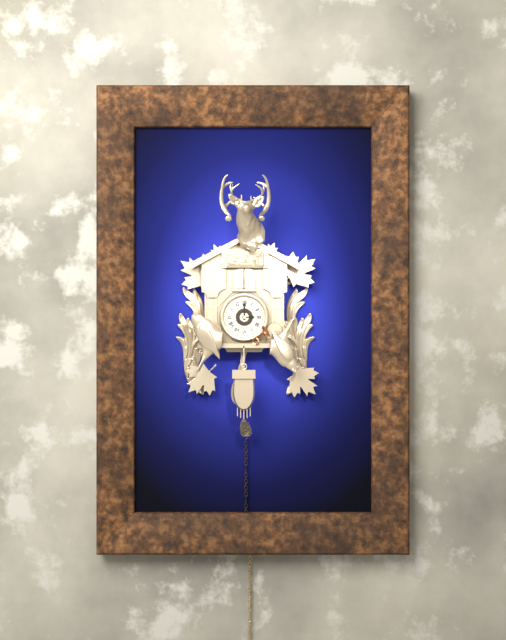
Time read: 3h00
